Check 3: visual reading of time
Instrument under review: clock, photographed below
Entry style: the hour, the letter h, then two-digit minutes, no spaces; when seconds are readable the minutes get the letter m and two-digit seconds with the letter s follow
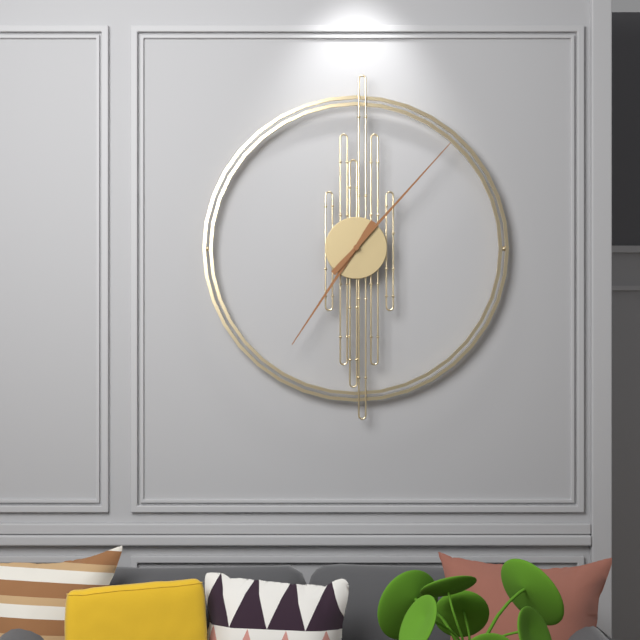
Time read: 7h07
